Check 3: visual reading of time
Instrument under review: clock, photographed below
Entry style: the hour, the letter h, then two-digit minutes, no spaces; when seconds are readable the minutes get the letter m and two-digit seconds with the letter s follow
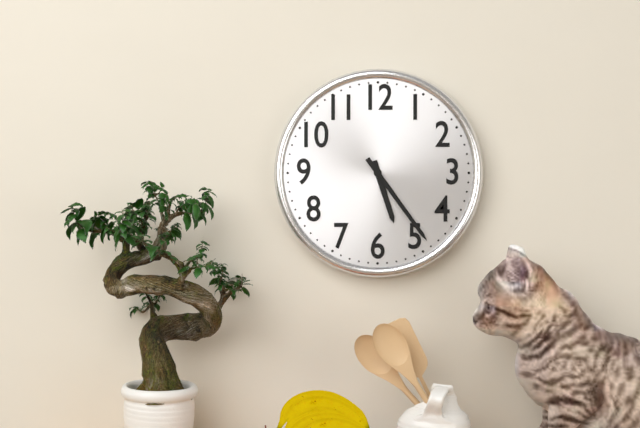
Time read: 5h24
